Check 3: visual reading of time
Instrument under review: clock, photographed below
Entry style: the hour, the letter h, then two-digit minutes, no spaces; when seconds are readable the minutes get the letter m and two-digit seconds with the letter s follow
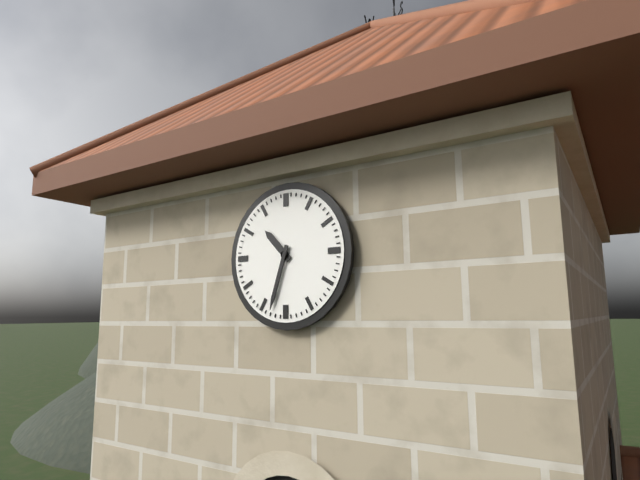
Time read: 10h33
